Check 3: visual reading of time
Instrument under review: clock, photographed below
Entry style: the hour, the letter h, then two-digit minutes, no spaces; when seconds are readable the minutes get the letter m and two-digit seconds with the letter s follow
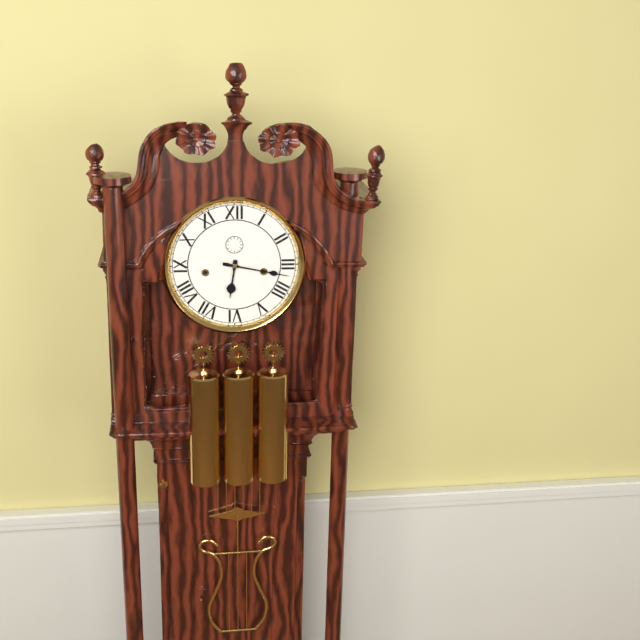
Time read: 6h17
